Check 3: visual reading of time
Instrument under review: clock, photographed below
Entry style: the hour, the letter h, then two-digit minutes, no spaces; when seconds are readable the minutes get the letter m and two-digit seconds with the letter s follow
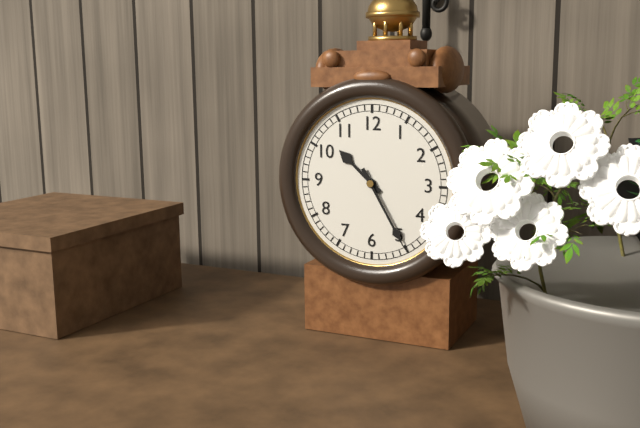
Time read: 10h25
